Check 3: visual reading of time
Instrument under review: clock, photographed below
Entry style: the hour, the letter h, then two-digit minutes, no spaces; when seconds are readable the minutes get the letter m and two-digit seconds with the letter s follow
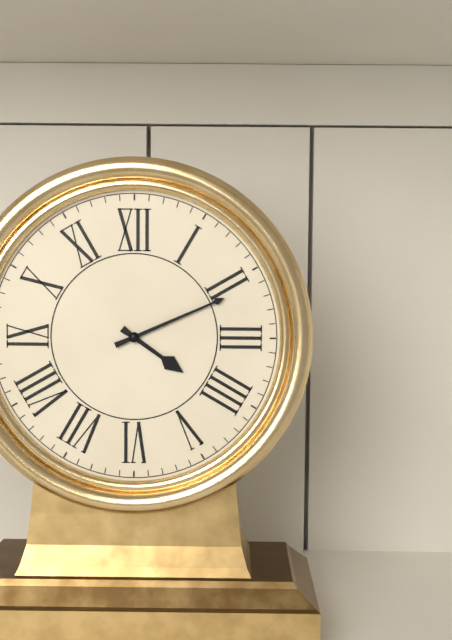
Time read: 4h11
